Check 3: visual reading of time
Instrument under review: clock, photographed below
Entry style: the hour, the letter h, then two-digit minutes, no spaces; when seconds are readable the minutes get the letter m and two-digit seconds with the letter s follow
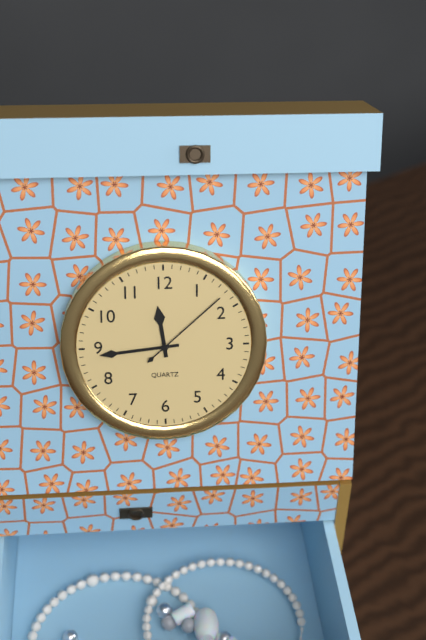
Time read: 11h44m08s
